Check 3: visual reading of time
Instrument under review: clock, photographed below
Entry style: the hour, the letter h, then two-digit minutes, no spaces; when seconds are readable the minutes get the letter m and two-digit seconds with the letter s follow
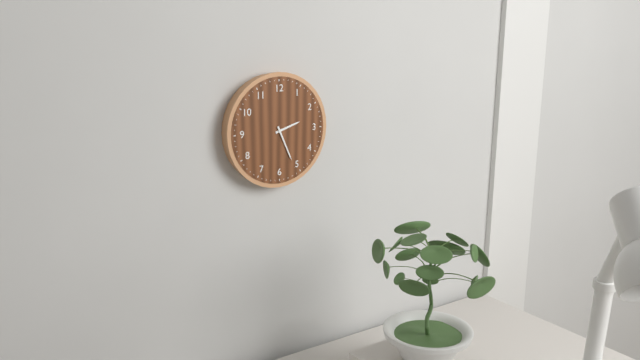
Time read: 2h26
